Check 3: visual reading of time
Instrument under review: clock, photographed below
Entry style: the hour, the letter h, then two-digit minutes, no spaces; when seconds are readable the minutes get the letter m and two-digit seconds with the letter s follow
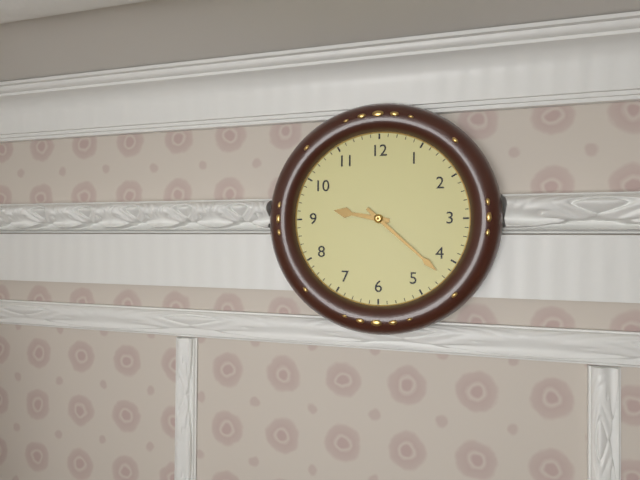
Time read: 9h22
